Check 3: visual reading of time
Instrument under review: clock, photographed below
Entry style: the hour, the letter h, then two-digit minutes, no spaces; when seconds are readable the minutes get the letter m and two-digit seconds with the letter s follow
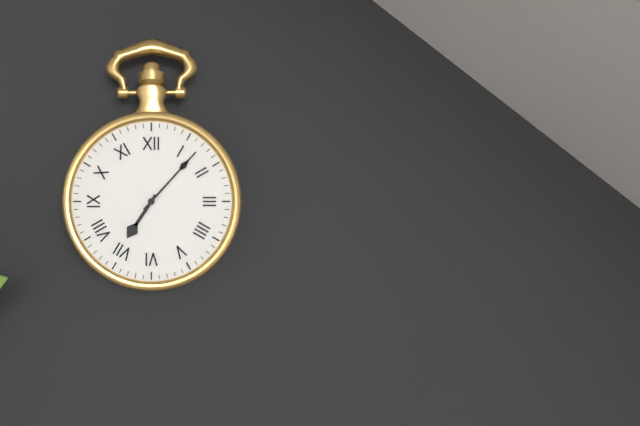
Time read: 7h07
